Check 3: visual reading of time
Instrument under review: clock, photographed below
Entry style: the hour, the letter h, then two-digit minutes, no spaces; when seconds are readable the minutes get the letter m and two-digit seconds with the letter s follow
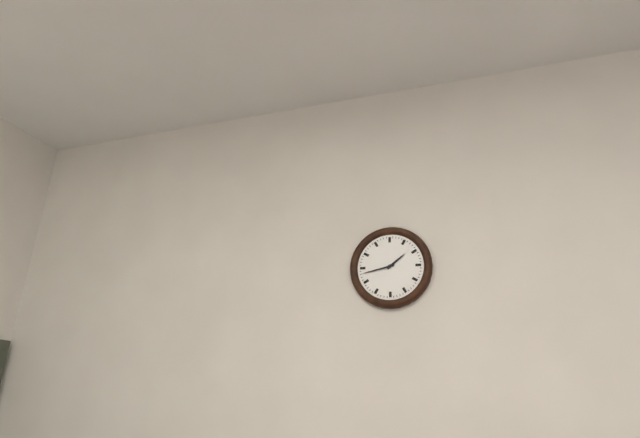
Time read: 1h43
